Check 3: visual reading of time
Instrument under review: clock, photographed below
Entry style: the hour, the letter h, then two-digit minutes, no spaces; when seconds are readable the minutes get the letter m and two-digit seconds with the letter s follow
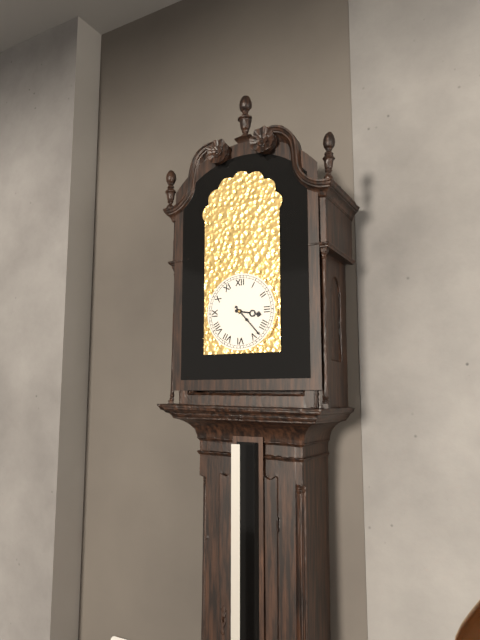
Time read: 3h23
